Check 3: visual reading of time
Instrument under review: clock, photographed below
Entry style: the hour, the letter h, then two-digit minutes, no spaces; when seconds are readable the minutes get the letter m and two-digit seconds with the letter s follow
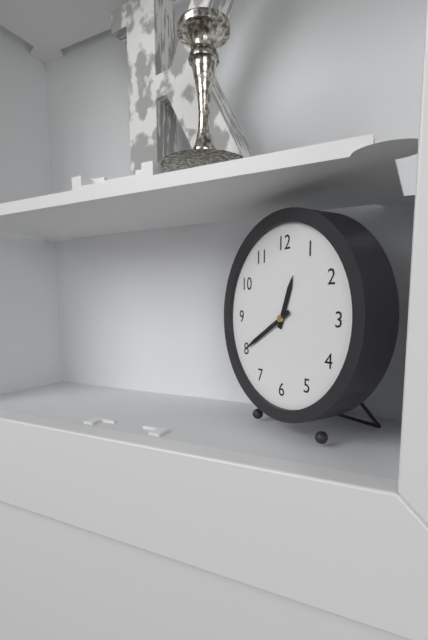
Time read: 12h40
